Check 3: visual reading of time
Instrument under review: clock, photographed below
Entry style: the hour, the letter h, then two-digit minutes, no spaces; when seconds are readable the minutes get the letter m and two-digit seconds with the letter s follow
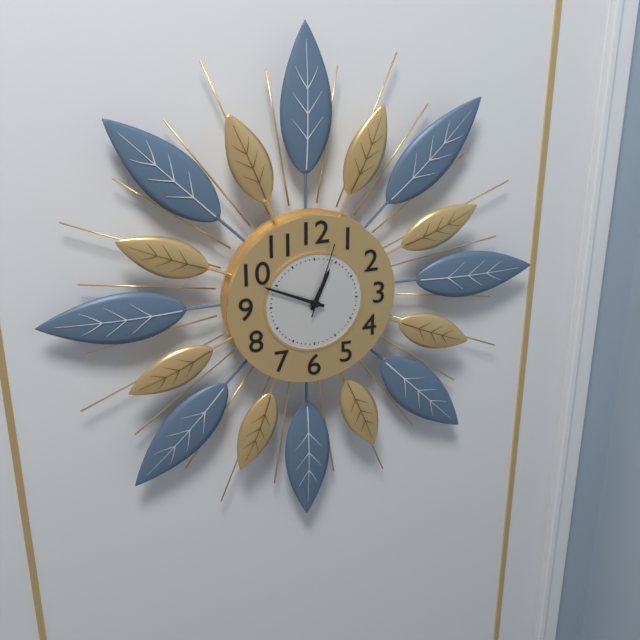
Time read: 12h49m03s
